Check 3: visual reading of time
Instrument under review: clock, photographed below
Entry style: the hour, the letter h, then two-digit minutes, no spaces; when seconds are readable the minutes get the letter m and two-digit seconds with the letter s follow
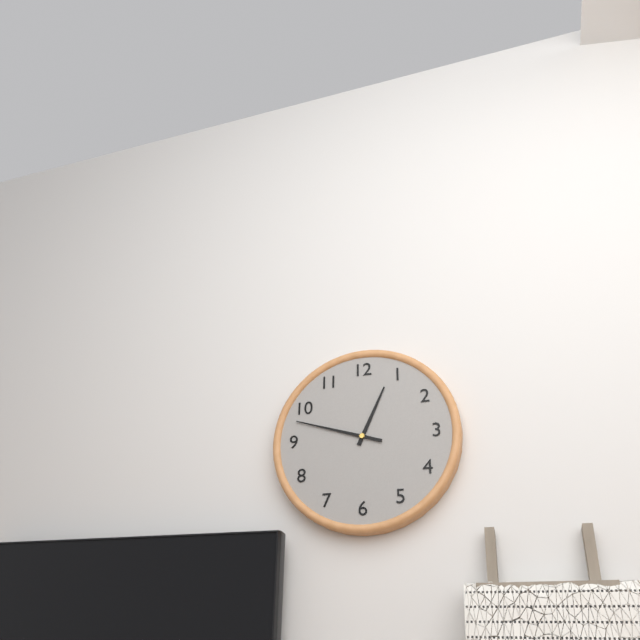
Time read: 12h48
